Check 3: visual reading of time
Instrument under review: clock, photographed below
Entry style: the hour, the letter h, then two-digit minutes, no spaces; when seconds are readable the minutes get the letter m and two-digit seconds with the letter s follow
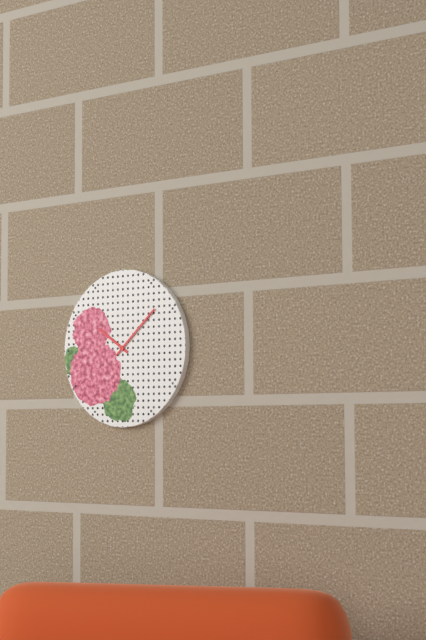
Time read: 10h08
